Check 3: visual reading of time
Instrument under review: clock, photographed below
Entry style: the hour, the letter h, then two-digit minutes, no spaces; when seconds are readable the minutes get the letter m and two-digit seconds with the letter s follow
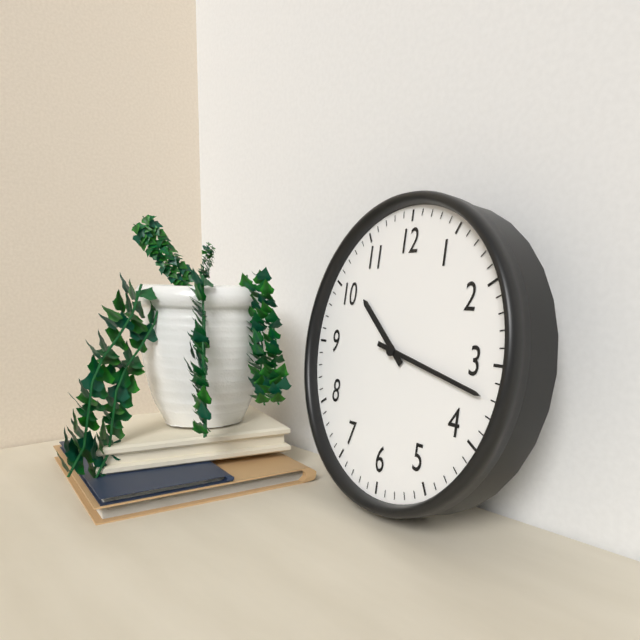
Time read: 10h17
